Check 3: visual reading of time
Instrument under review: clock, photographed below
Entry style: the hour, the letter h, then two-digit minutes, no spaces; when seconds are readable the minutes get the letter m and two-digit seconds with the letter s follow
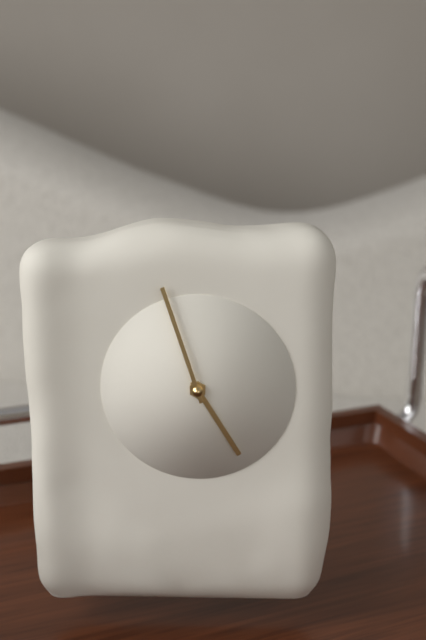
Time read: 4h57
